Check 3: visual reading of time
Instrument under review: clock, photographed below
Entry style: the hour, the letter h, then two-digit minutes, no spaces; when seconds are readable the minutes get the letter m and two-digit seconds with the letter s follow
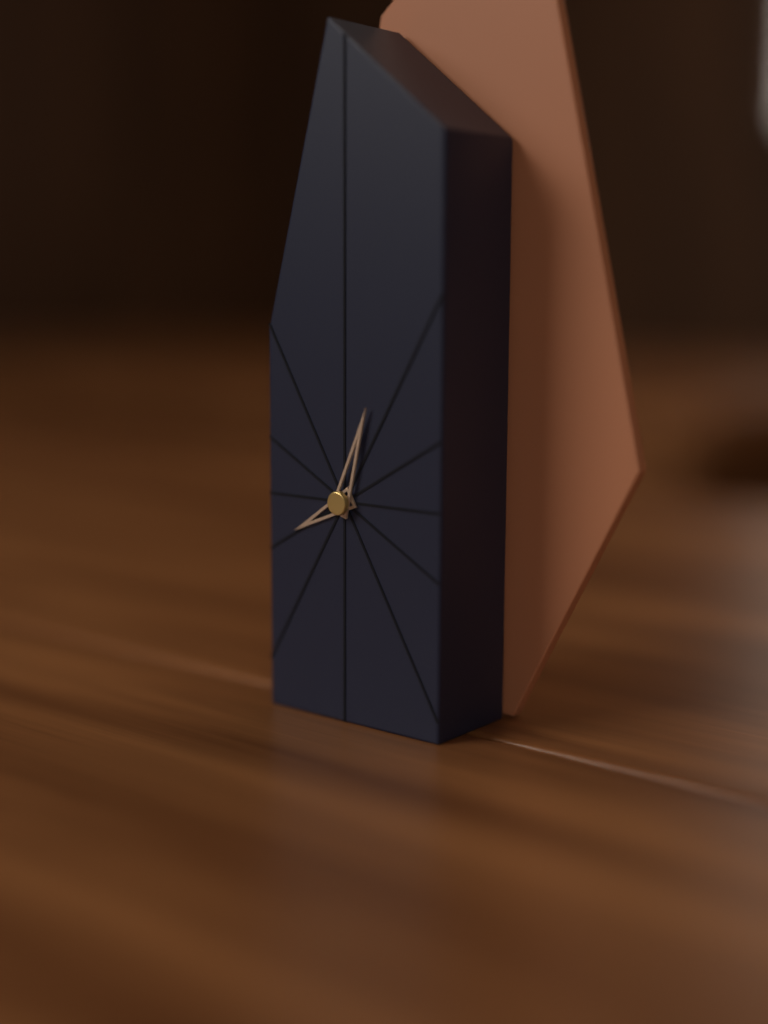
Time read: 8h03
